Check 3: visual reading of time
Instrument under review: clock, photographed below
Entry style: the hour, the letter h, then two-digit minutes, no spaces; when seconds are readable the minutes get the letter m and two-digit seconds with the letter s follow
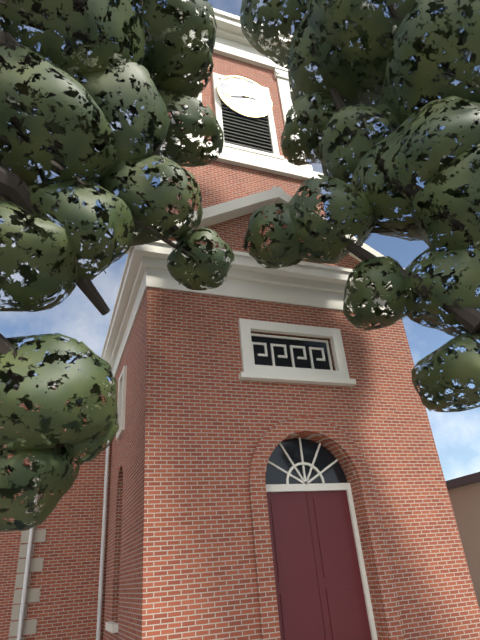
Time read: 2h42
